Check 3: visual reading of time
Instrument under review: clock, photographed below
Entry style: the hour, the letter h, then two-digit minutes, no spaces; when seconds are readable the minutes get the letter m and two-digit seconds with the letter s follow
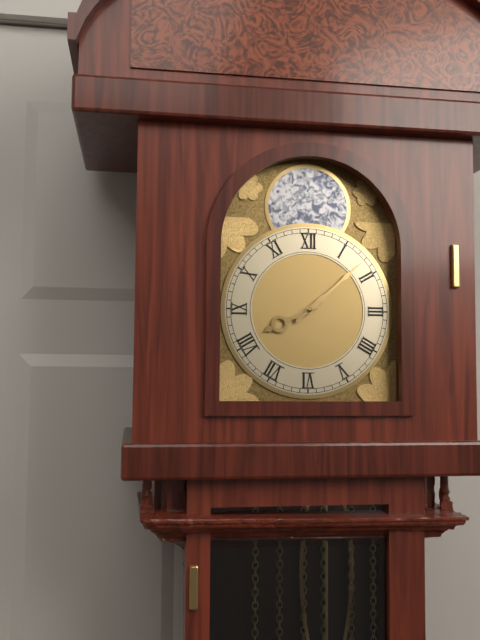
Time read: 8h08
